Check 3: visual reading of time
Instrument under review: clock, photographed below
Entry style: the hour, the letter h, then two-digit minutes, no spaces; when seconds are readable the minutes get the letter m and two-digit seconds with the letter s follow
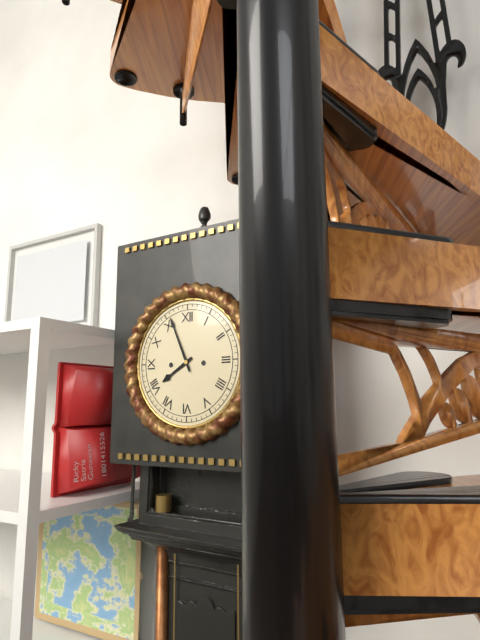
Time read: 7h56
